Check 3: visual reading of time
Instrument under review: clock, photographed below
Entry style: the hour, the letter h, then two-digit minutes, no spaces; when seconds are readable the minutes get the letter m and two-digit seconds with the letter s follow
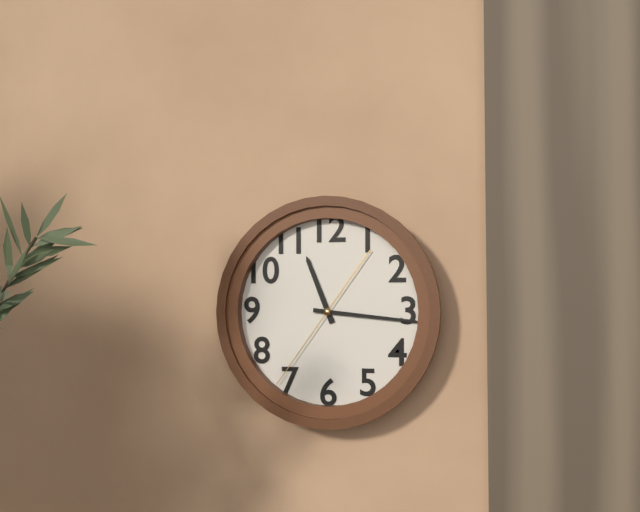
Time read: 11h16m36s
